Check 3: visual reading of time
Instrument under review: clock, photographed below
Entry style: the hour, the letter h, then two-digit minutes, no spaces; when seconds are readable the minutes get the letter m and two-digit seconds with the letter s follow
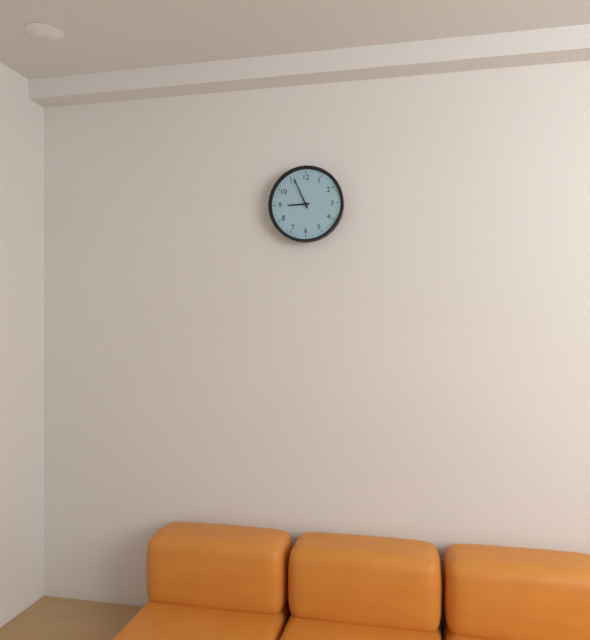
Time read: 8h56
